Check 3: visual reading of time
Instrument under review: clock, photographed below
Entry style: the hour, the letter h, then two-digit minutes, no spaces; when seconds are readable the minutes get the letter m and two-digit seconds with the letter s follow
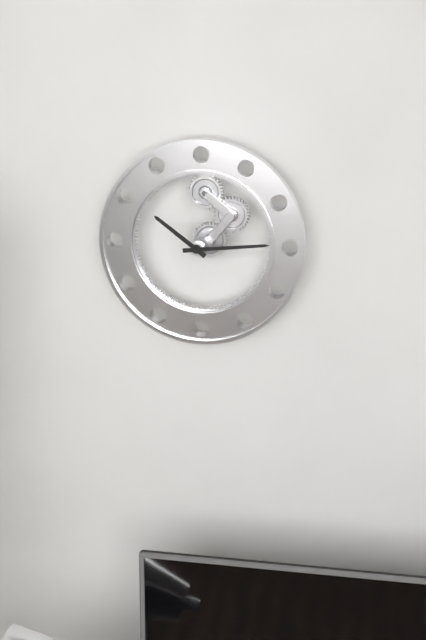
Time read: 10h14
